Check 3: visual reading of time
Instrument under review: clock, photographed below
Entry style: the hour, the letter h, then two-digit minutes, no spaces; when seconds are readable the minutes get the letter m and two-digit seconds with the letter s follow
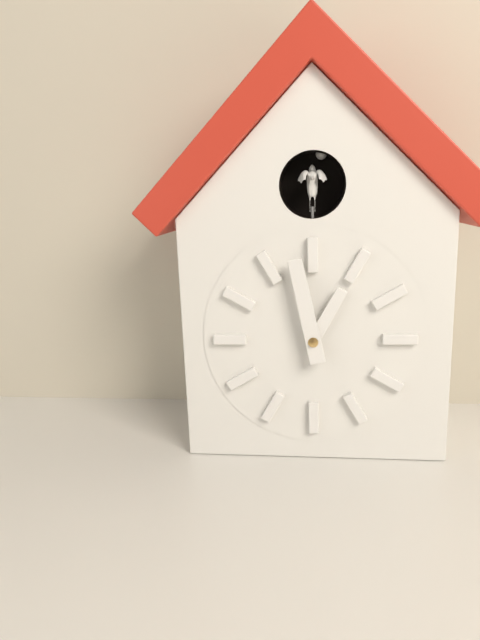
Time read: 12h58
